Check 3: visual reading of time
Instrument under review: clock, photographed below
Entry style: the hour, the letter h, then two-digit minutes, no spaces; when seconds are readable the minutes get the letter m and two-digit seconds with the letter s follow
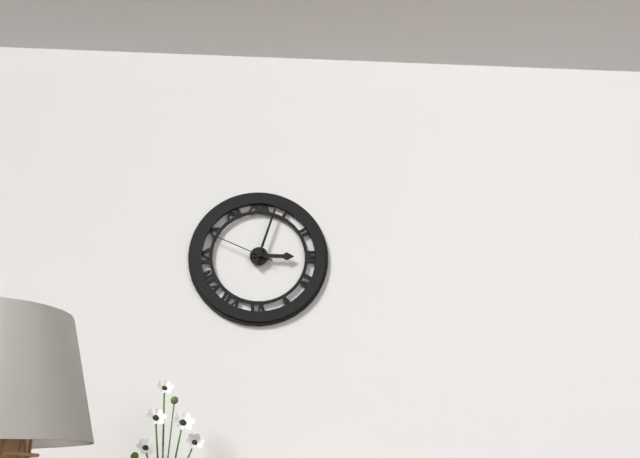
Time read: 3h03m49s
